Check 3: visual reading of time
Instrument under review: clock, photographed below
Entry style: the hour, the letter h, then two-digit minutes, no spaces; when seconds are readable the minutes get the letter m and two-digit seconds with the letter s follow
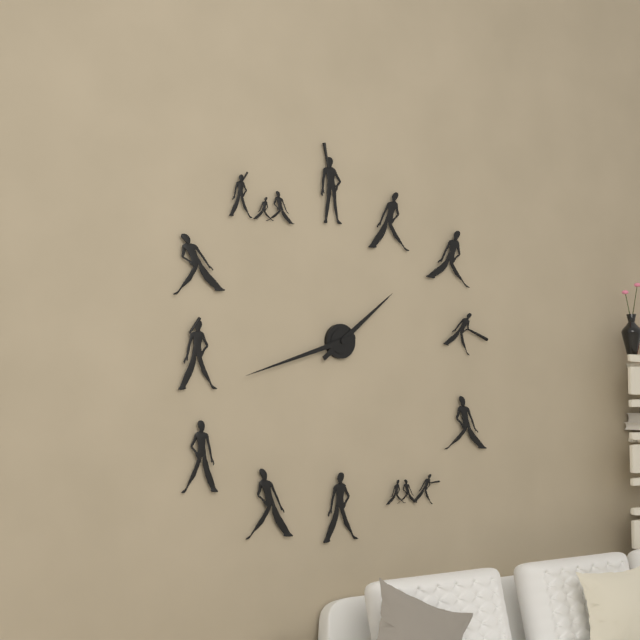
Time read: 1h42
